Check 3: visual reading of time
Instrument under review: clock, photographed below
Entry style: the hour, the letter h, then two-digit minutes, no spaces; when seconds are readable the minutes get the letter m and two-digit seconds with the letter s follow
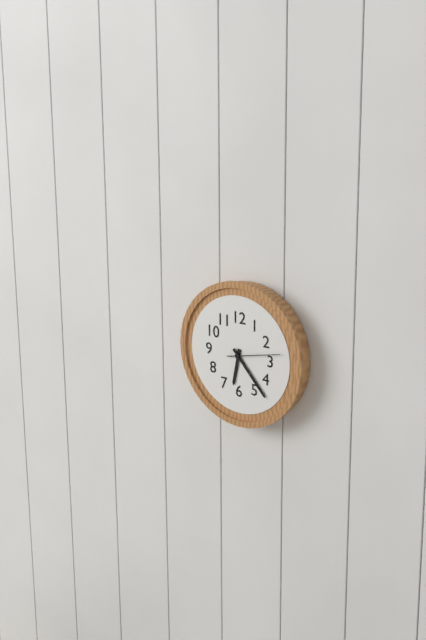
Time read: 6h23m13s
